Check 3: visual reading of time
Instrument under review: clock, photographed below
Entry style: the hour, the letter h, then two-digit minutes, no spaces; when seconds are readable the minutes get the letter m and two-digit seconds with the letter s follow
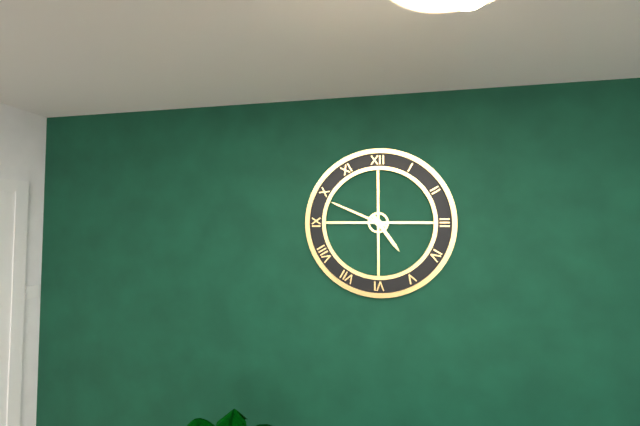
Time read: 4h49
